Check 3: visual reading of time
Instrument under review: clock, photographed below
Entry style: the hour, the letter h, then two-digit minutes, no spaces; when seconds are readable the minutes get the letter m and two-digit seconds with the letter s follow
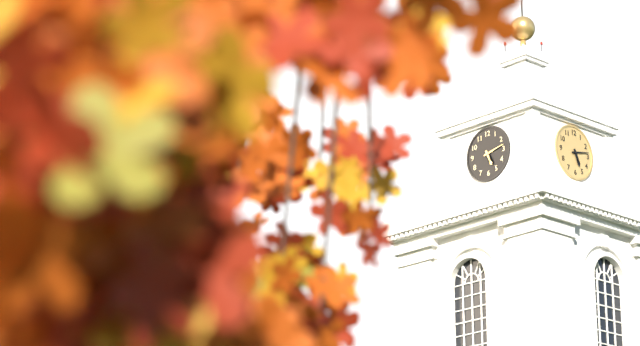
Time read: 5h13
